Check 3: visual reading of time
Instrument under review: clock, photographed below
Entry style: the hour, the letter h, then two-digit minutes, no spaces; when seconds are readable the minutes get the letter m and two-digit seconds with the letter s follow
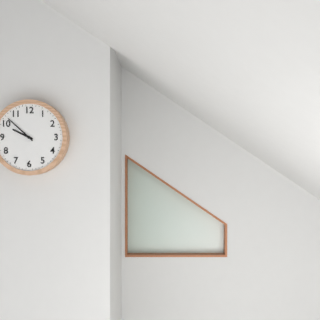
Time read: 9h52
